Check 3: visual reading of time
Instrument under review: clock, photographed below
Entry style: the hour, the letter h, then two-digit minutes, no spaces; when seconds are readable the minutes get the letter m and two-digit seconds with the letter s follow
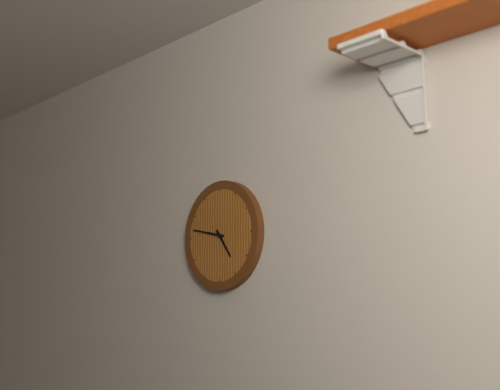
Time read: 4h47
